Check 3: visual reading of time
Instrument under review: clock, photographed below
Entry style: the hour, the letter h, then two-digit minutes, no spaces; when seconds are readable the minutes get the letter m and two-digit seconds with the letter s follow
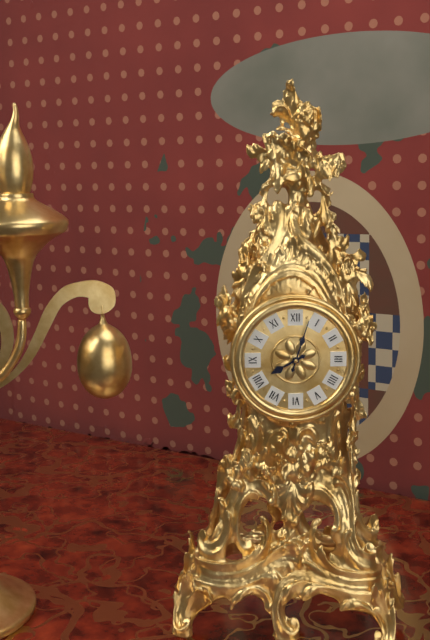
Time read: 8h03
